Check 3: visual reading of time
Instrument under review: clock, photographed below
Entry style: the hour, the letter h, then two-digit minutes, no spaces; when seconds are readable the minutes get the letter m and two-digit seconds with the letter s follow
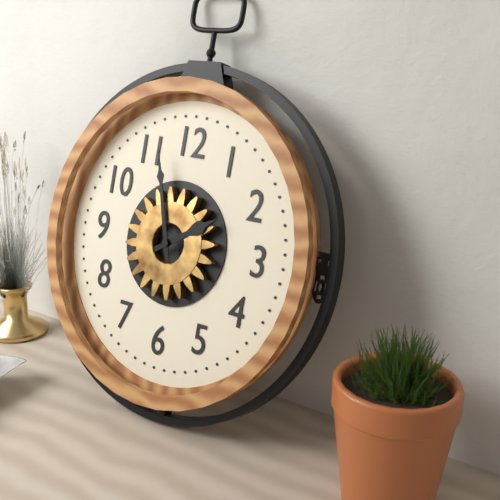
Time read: 1h57
